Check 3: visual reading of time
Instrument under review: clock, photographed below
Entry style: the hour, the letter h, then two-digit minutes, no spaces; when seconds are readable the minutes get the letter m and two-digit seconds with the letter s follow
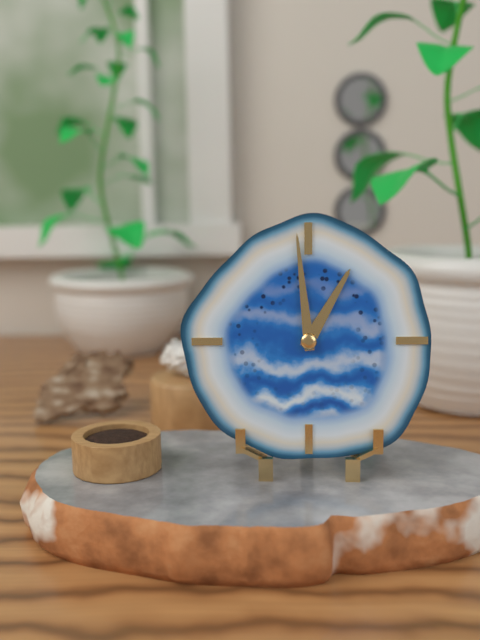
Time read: 12h59
